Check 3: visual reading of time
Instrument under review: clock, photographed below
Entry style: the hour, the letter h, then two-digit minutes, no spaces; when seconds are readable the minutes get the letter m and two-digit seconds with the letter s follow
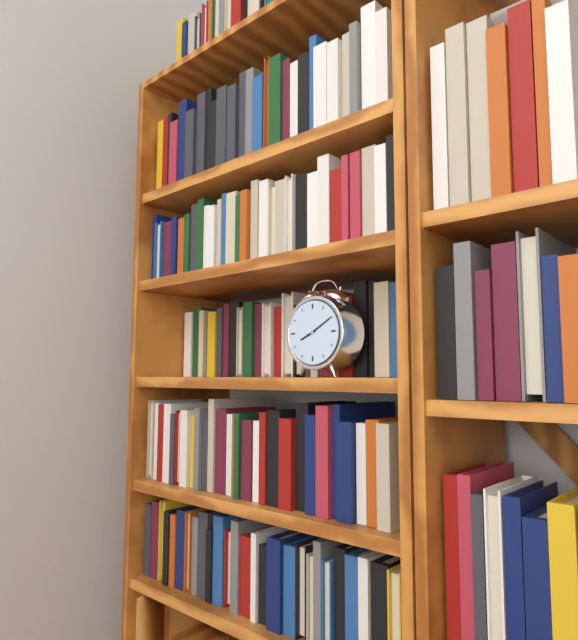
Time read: 8h10
